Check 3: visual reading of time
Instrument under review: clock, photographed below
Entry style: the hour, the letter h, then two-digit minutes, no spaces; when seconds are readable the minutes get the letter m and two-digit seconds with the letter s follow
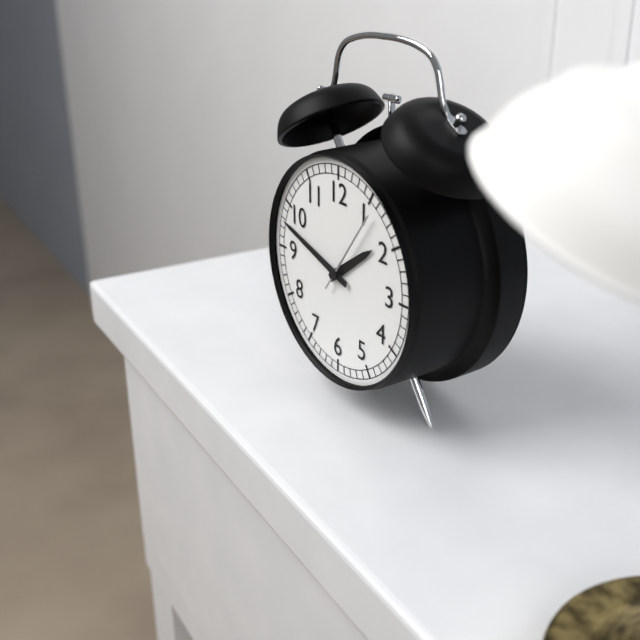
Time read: 1h48m06s
